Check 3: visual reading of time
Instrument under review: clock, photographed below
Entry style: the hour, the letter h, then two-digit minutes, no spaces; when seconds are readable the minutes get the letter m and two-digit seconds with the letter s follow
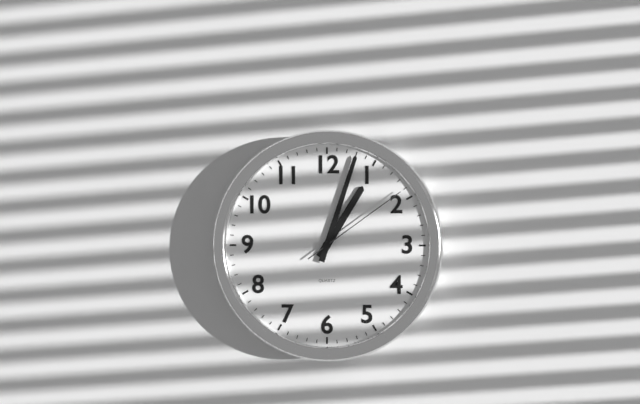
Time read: 1h03m09s
